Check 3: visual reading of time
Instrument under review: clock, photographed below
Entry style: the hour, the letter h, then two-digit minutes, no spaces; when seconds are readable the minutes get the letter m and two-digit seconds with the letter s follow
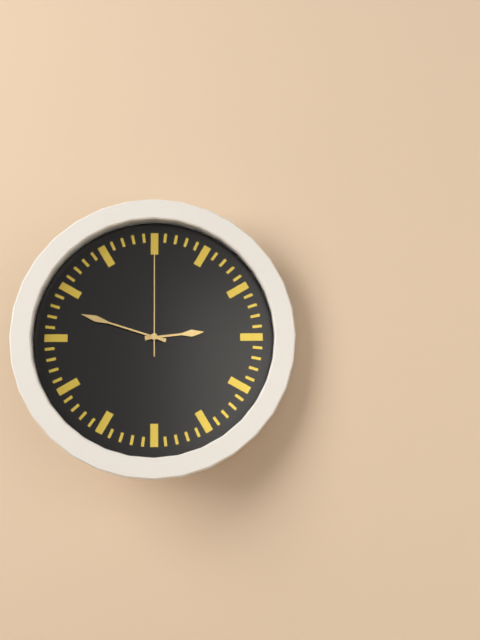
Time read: 2h48m00s
